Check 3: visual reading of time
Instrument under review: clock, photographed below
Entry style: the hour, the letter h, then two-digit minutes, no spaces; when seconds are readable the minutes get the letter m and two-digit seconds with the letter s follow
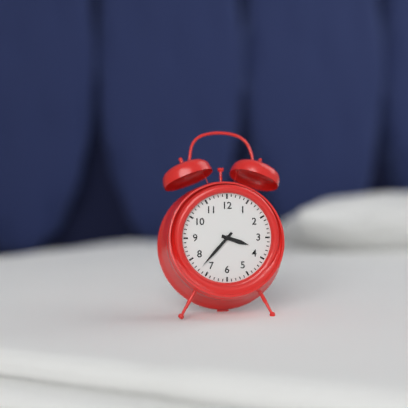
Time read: 3h37
